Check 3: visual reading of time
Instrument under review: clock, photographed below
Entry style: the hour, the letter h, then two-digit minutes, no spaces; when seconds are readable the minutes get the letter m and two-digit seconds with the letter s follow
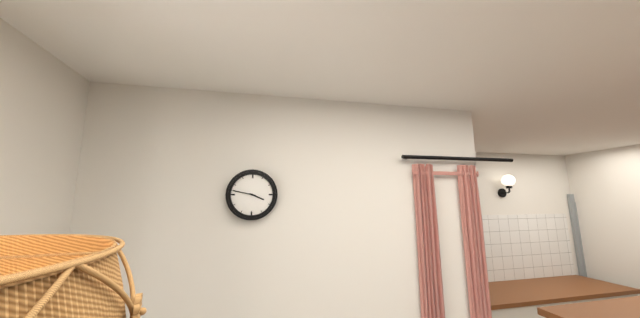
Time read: 3h47
